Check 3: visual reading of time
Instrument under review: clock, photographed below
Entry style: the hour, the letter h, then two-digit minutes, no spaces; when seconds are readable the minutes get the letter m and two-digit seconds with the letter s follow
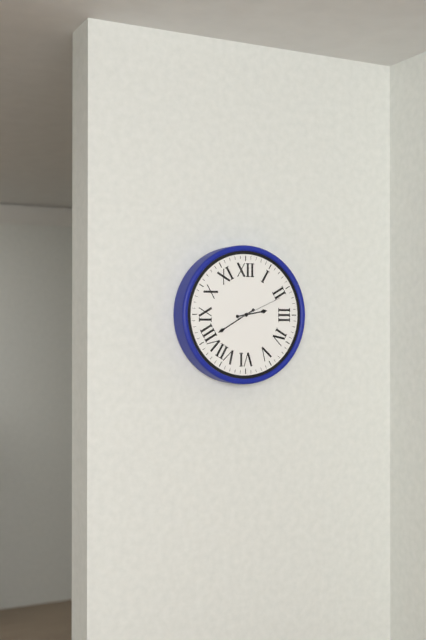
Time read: 2h40
